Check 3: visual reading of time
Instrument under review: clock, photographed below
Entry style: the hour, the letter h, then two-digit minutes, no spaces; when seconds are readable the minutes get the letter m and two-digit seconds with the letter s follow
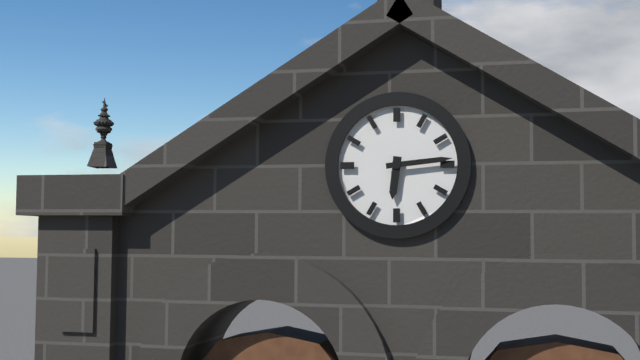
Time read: 6h14
